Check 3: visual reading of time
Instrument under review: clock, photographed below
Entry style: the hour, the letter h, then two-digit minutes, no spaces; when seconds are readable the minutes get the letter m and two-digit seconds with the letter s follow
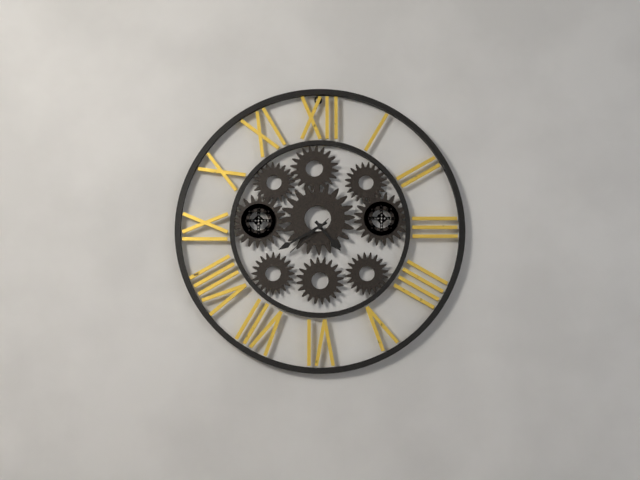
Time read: 4h40
